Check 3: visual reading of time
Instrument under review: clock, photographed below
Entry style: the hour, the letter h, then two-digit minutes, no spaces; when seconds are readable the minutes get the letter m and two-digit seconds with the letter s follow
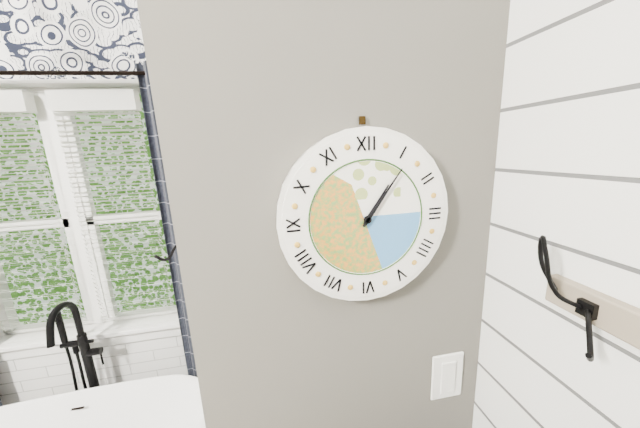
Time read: 1h06
